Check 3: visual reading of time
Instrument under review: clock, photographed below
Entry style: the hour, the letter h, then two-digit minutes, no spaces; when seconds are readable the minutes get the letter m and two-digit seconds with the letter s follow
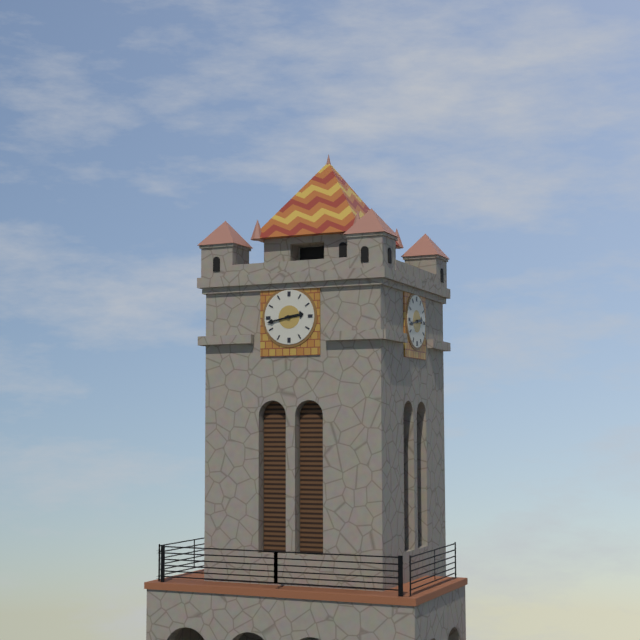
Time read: 2h43
